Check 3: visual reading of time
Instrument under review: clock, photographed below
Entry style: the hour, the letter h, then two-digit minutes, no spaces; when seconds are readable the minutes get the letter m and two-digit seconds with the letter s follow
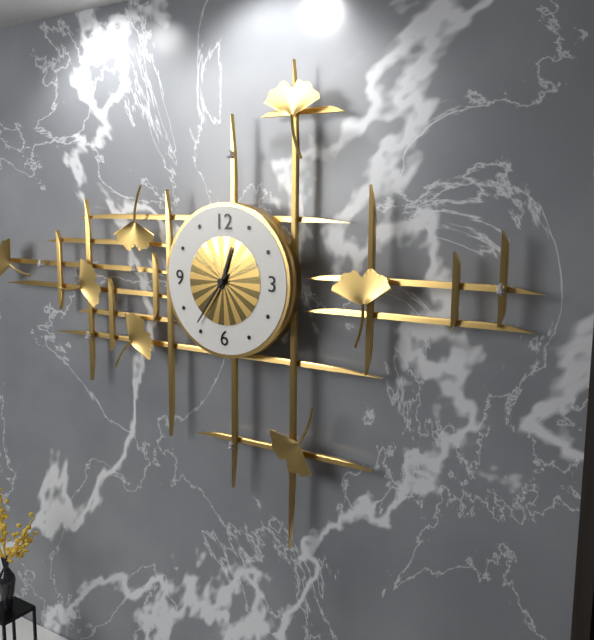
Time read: 12h36
